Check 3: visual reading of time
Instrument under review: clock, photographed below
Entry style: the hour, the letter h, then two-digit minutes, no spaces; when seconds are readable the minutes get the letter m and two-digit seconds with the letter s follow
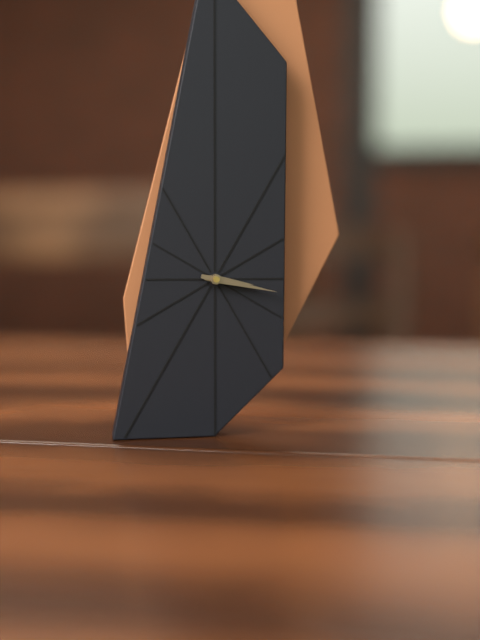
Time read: 3h17
